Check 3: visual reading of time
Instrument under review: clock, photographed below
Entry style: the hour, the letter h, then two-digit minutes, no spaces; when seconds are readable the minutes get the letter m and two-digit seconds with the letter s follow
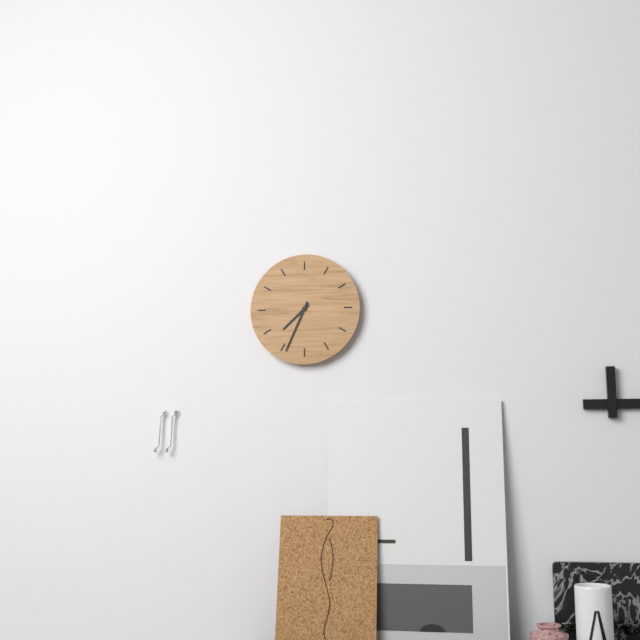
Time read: 7h34
